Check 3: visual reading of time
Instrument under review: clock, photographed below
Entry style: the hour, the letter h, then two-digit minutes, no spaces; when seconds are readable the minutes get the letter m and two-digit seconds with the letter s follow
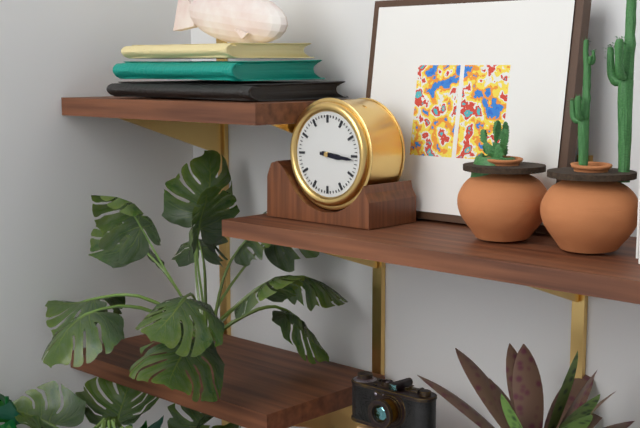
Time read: 3h16
